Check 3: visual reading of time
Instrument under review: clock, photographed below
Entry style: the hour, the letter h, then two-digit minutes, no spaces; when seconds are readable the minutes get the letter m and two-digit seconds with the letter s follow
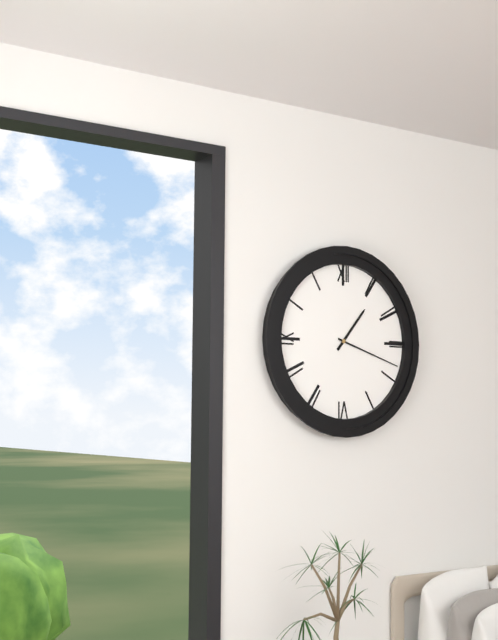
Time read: 1h18
